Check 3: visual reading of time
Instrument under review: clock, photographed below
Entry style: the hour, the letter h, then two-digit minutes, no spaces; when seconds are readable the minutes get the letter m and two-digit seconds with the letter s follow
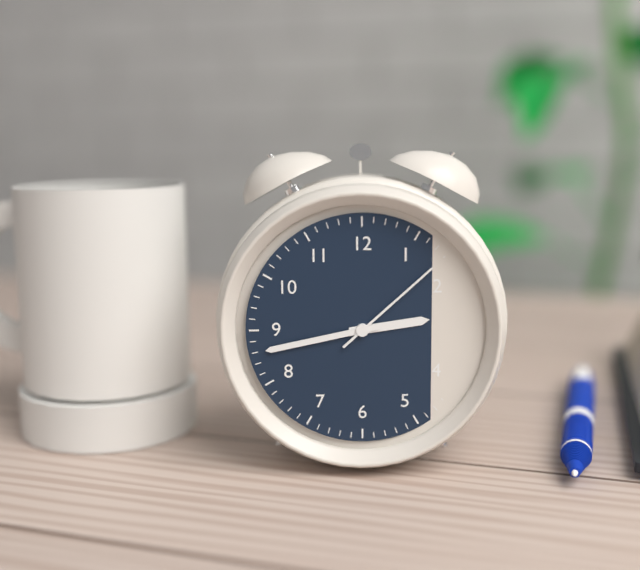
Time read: 2h43m08s
